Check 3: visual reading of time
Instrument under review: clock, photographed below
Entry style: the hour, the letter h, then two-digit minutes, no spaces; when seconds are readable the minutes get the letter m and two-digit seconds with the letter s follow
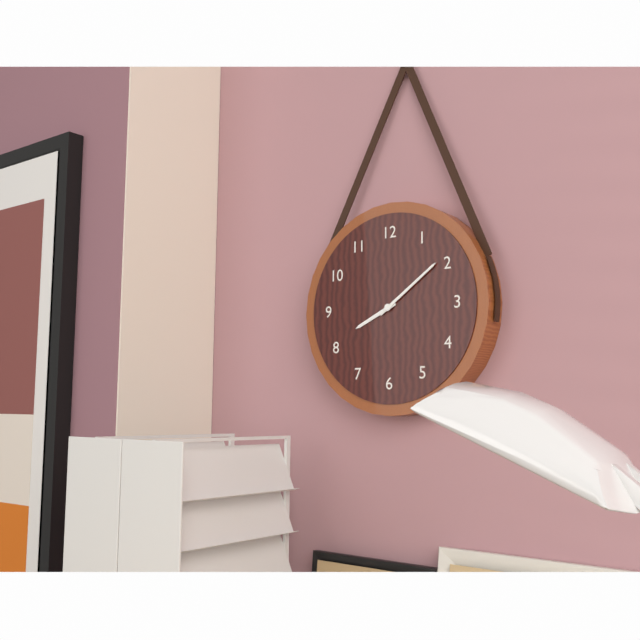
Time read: 8h09
